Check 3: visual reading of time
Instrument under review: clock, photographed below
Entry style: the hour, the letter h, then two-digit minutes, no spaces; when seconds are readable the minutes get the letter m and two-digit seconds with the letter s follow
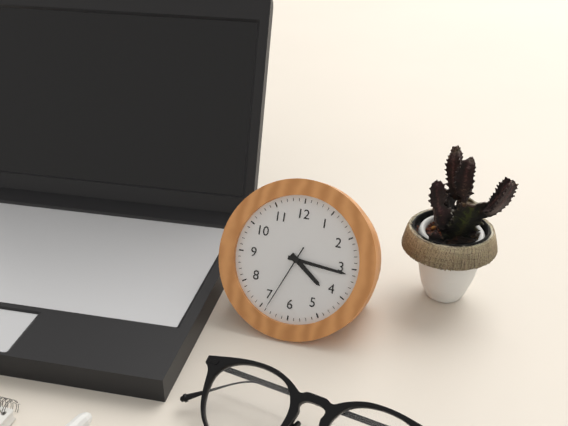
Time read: 4h16m34s
